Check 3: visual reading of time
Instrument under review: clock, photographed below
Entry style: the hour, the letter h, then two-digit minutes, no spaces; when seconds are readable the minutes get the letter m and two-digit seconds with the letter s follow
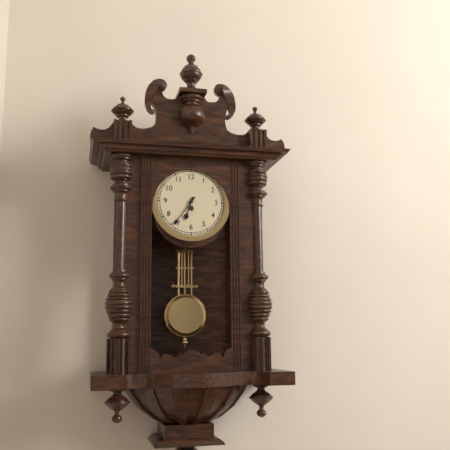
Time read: 6h36
